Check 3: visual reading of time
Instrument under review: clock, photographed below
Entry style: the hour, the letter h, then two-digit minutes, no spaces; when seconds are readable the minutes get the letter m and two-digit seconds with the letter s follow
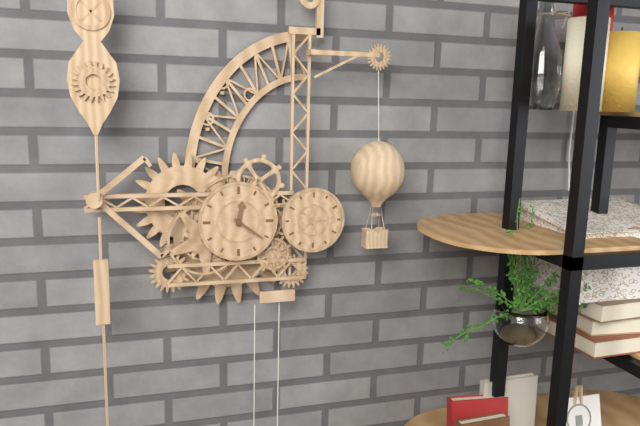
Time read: 12h21
